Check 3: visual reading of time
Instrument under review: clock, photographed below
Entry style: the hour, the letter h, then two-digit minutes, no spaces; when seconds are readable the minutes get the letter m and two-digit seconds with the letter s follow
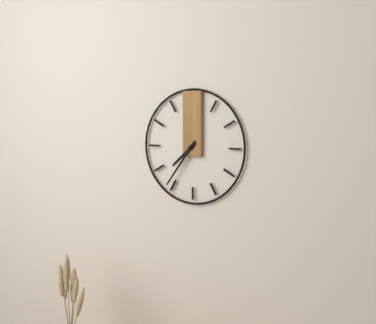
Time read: 7h36
